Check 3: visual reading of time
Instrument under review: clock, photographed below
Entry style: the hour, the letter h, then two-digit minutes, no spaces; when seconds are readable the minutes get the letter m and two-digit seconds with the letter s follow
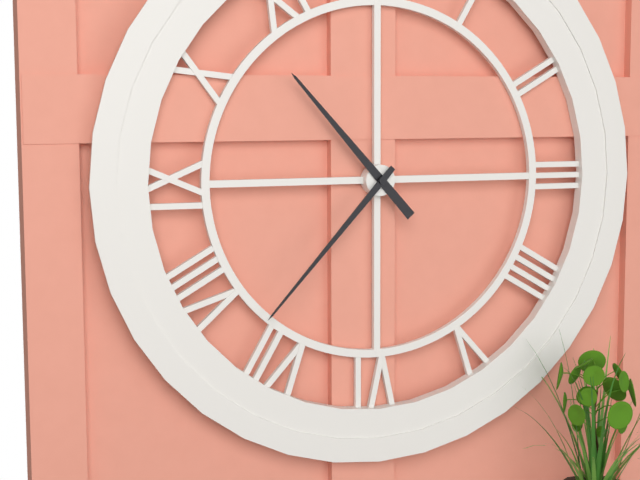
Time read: 10h37
